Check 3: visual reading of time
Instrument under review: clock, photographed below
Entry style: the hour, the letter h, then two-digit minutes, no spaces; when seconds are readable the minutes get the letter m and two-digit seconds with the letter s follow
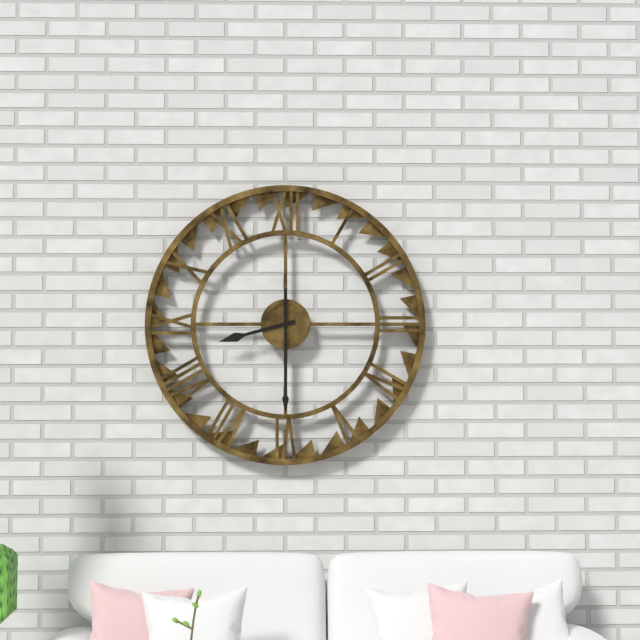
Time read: 8h30
